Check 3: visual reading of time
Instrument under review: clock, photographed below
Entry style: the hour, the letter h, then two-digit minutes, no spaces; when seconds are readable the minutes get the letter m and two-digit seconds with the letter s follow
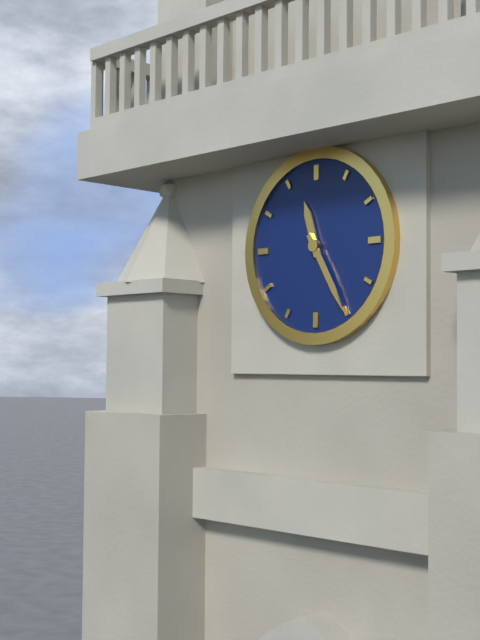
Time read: 11h25
